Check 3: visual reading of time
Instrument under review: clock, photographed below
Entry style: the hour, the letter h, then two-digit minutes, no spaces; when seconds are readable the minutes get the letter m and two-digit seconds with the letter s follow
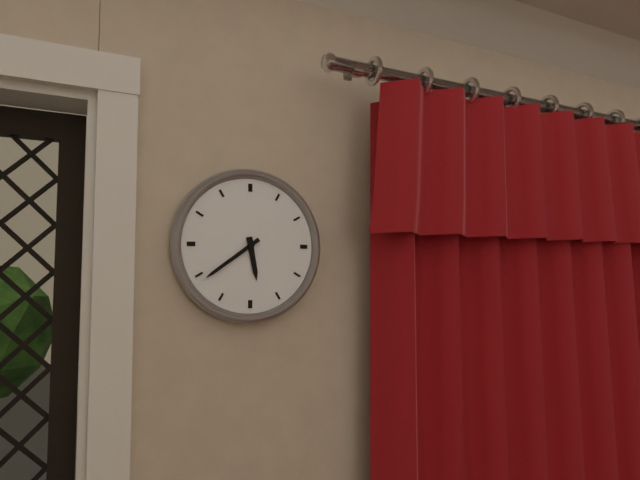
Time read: 5h39
